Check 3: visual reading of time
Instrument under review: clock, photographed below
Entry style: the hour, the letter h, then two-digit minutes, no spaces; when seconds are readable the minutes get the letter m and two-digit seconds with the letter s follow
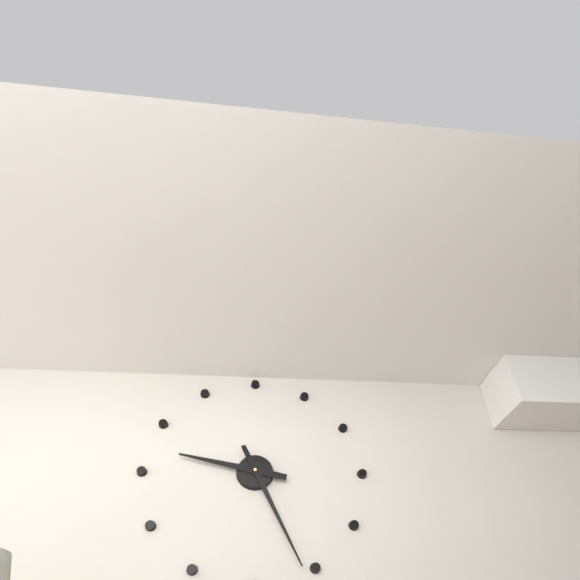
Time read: 9h26
